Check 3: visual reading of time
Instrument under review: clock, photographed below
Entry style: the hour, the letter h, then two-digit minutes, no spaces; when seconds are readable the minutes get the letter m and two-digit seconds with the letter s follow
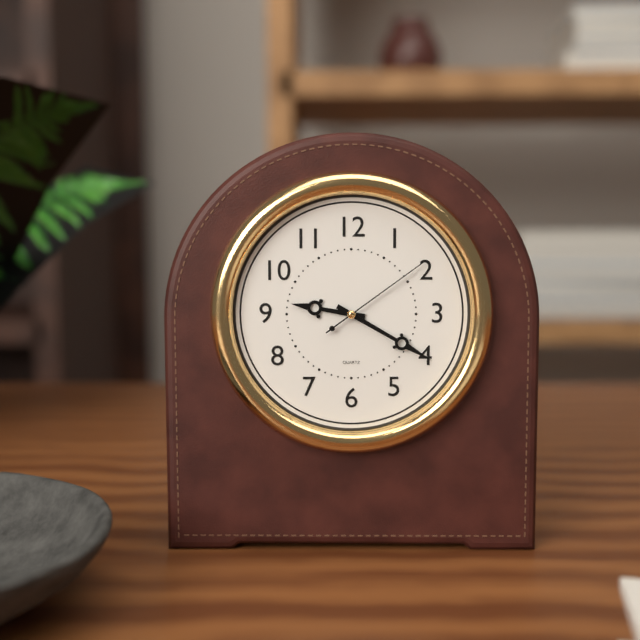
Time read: 9h20m09s
